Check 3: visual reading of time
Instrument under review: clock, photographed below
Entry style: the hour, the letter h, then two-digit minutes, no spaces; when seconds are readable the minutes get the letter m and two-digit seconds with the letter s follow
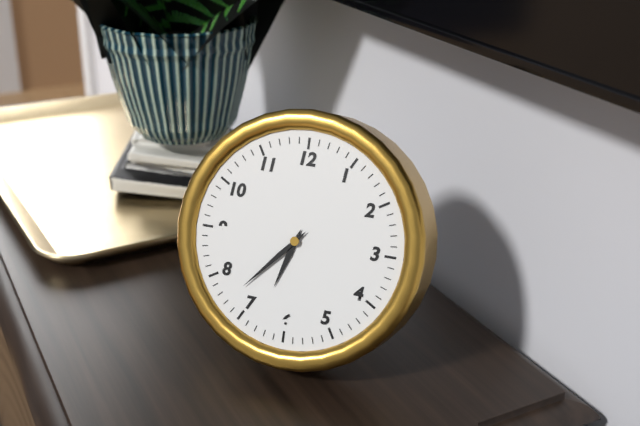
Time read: 6h37
